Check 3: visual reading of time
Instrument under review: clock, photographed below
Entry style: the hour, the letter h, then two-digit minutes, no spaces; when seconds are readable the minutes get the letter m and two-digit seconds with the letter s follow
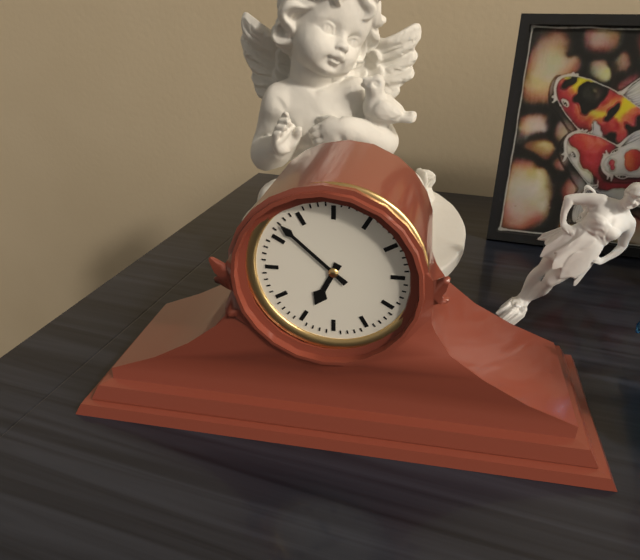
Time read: 6h52
